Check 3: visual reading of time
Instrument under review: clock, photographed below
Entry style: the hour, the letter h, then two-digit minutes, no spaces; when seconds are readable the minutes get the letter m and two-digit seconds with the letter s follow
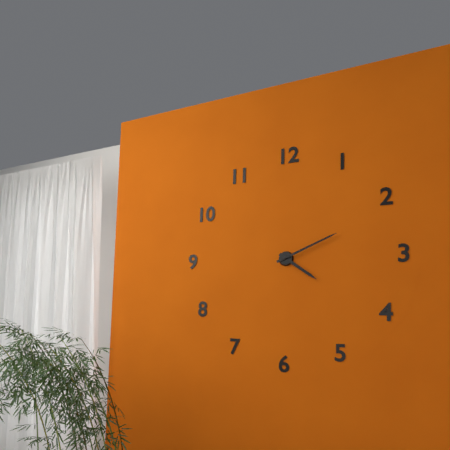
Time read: 4h11
